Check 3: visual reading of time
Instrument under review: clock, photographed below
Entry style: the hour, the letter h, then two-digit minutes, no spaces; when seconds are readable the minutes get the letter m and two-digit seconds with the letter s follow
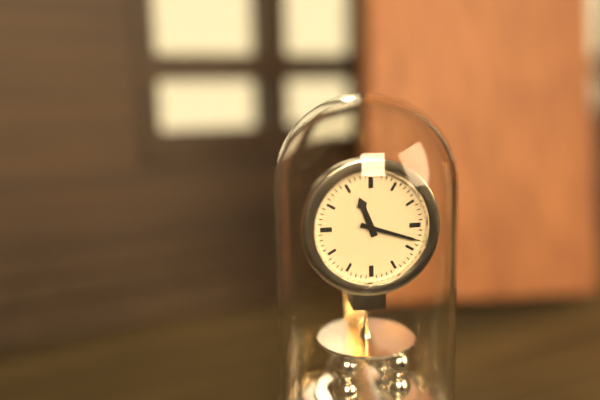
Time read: 11h18
